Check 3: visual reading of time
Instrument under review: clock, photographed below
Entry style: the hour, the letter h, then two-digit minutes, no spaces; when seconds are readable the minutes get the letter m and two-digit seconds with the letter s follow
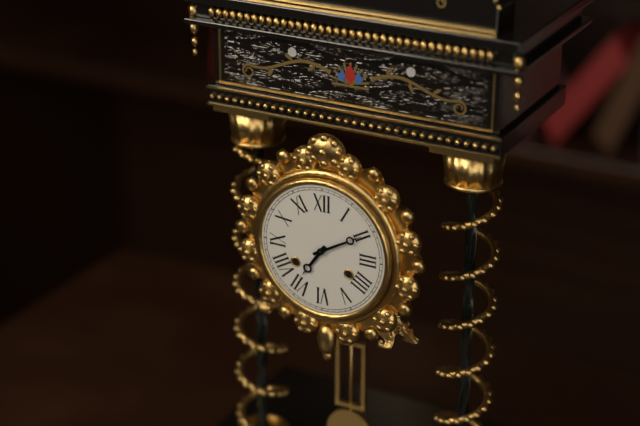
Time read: 7h10
